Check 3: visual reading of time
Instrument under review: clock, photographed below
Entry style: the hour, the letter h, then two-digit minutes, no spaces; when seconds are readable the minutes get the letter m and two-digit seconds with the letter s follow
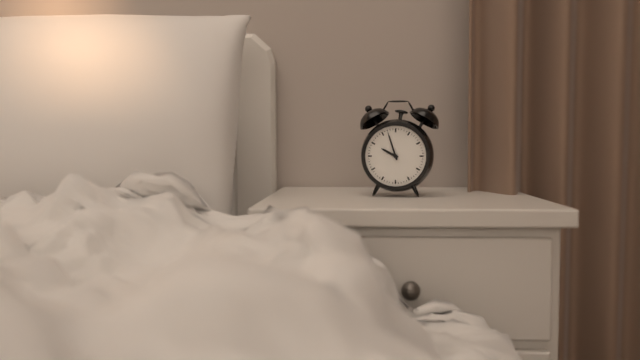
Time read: 9h57
